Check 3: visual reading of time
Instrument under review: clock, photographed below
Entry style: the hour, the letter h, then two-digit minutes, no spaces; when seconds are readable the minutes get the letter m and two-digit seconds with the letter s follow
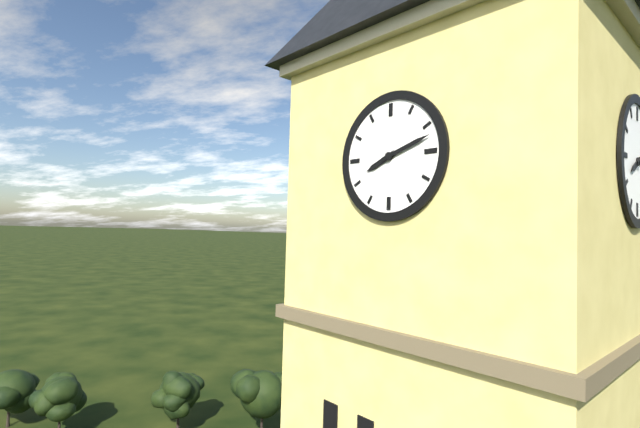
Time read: 8h12
